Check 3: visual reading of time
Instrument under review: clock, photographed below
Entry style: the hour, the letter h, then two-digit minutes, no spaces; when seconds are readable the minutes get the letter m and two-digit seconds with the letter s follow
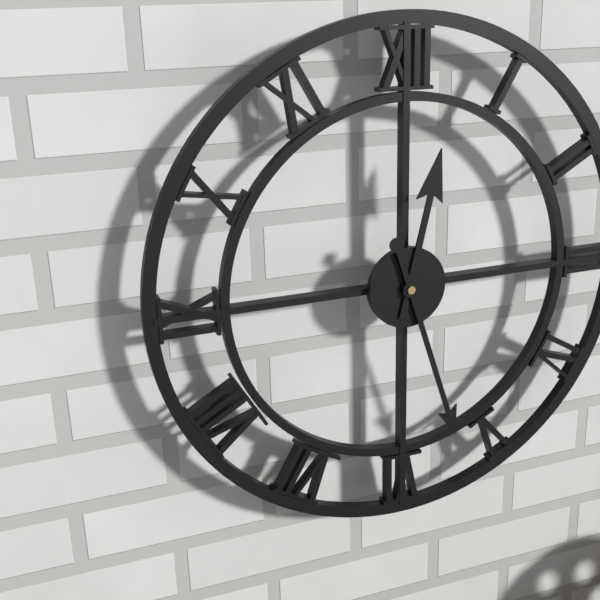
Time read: 12h27
